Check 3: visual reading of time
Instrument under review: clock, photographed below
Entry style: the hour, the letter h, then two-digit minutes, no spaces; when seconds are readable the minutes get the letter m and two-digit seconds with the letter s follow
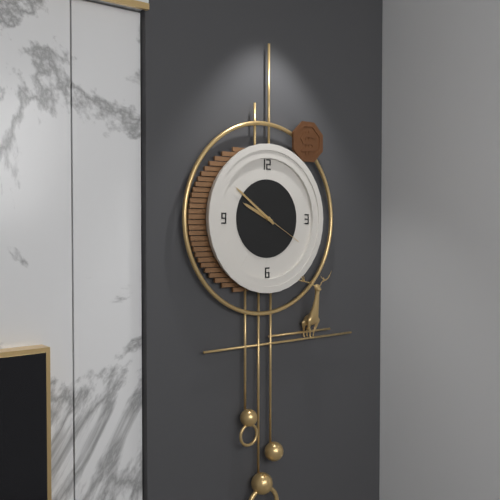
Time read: 9h51
